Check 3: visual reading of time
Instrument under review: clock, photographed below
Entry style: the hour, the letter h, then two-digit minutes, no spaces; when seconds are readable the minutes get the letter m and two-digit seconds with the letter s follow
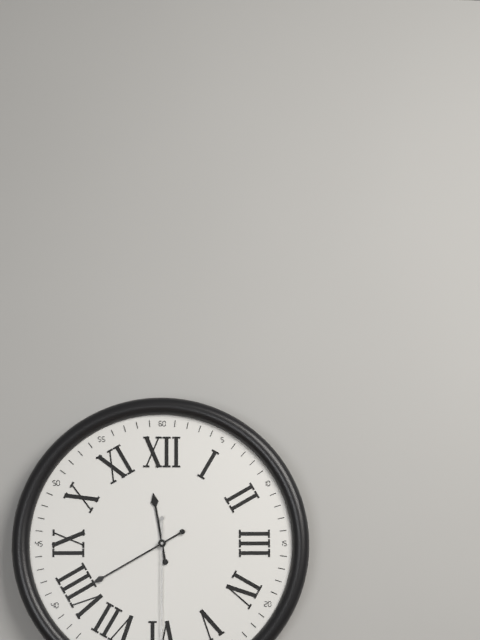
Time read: 11h40
